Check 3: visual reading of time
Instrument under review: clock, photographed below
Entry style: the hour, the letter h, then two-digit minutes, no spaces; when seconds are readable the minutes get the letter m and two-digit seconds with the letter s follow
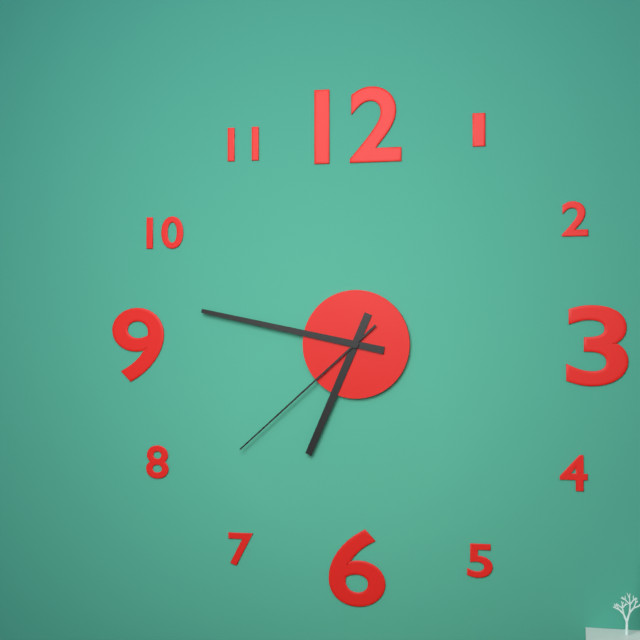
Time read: 6h47m38s
